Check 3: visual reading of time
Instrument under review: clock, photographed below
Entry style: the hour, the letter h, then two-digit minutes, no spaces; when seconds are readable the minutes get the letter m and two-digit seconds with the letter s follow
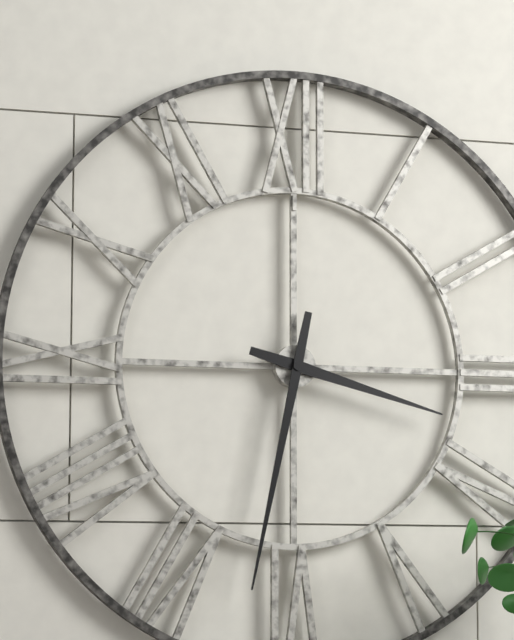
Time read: 3h32
